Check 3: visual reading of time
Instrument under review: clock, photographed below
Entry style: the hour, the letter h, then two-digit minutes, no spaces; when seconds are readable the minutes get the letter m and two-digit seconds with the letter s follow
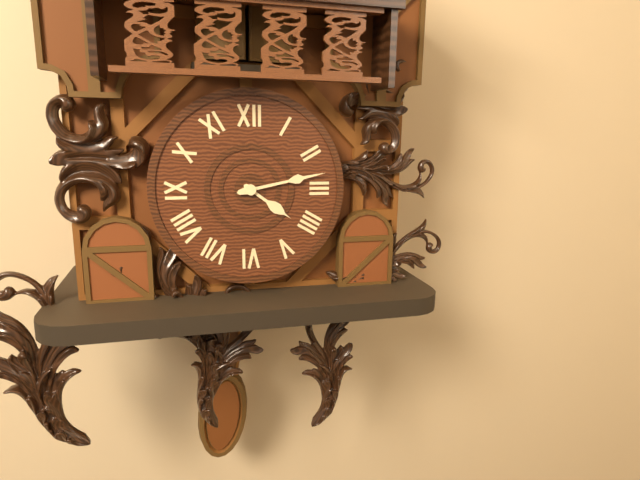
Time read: 4h13
